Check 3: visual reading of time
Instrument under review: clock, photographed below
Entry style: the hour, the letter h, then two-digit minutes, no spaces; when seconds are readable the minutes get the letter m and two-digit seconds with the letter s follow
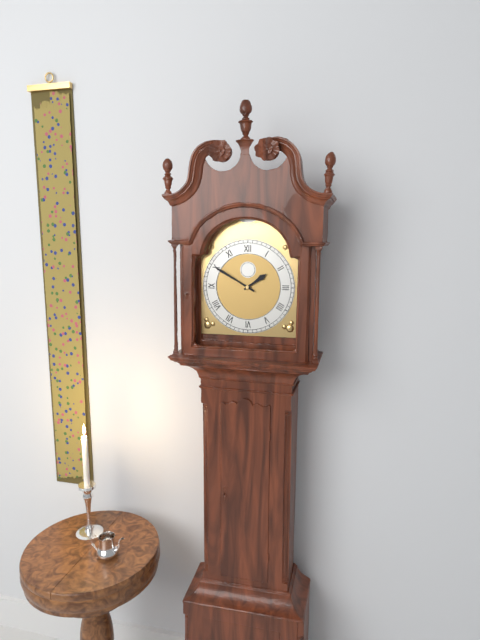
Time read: 1h50
